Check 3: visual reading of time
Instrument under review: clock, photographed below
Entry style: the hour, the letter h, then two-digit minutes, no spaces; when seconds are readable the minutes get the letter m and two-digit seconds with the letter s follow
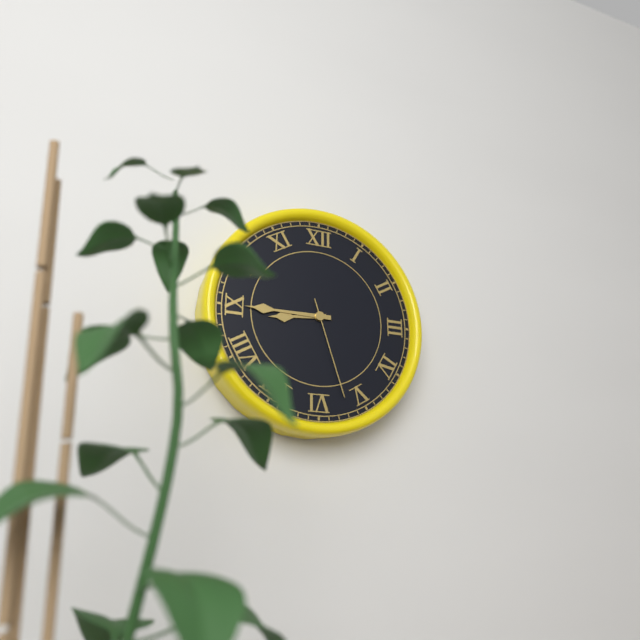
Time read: 8h45m27s
